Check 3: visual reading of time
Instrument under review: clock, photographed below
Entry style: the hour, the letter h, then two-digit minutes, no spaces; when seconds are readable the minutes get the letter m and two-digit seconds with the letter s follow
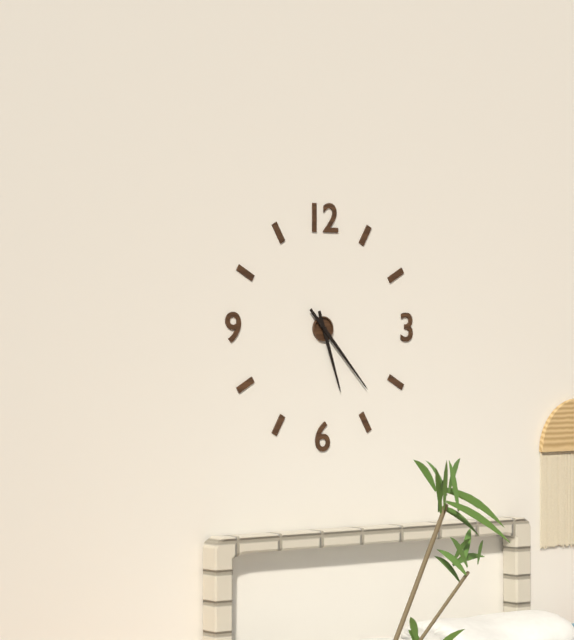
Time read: 5h23
